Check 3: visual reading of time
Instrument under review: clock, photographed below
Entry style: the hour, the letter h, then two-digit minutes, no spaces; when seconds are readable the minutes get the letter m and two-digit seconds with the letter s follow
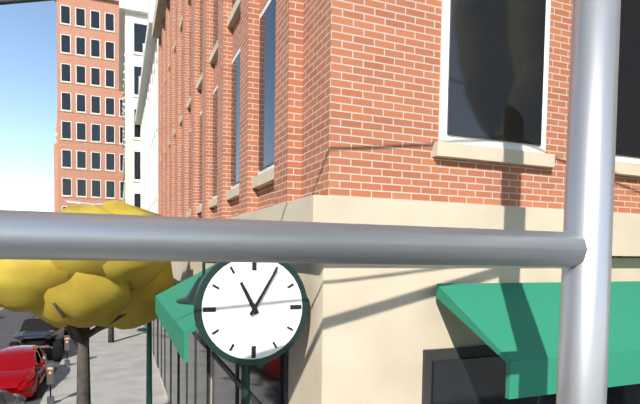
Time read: 11h05
